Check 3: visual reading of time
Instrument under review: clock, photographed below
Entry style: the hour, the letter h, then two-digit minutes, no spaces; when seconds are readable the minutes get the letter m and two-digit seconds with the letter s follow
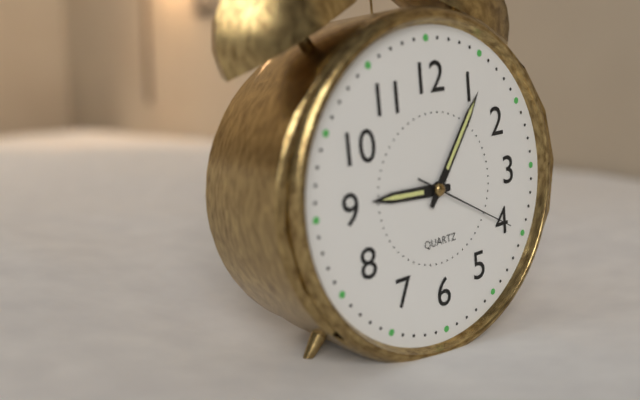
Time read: 9h06m20s
